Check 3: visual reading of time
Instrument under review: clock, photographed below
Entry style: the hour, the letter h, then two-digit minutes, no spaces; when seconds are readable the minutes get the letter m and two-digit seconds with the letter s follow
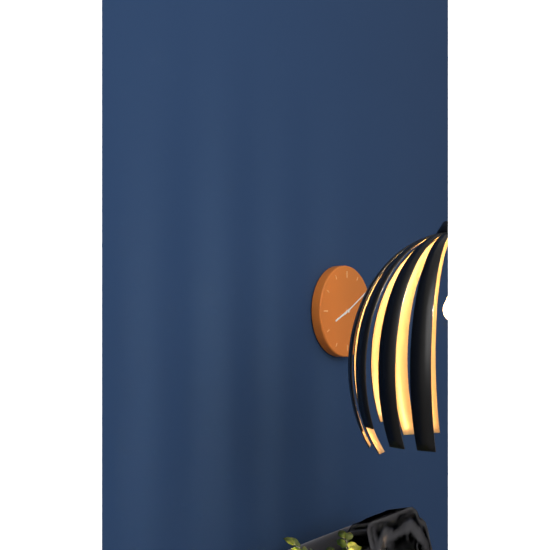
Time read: 8h10
